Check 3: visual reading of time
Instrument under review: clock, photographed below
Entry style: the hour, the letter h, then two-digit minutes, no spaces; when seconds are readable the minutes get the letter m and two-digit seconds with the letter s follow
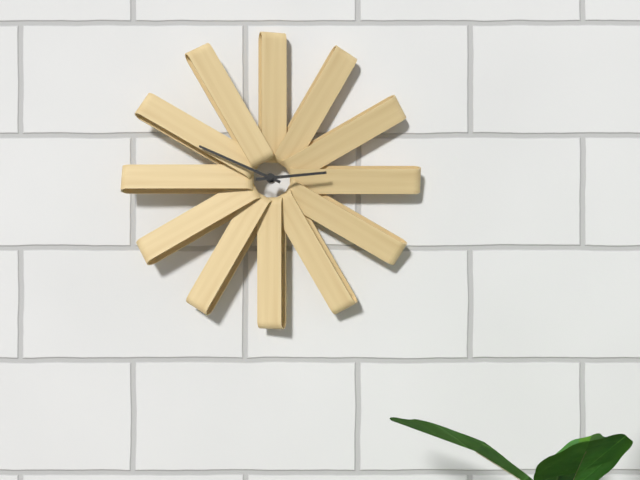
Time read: 2h49
